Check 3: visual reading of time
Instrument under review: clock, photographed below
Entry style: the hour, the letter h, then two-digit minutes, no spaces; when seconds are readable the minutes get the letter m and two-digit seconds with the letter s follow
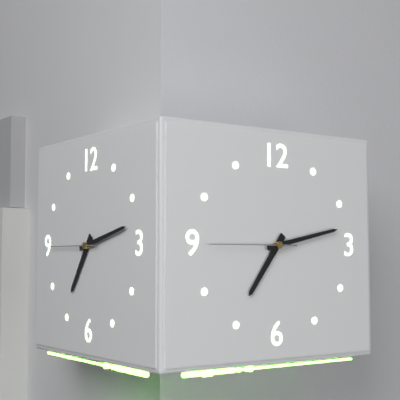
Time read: 7h13m45s
